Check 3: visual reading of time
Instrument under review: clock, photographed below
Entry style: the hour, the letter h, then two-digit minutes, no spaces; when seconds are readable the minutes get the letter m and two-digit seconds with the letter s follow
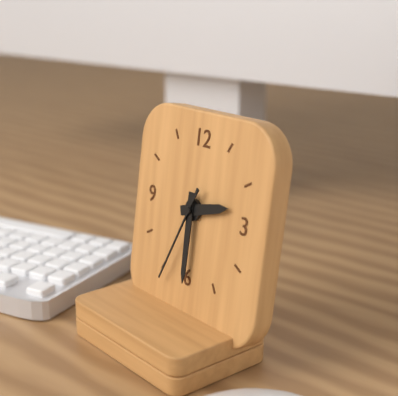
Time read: 2h30m34s
